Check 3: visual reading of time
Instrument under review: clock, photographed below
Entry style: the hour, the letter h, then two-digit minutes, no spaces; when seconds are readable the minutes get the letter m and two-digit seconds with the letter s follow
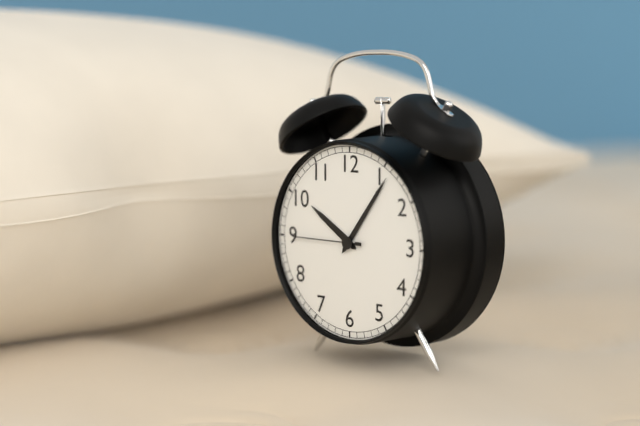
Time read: 10h06m45s
